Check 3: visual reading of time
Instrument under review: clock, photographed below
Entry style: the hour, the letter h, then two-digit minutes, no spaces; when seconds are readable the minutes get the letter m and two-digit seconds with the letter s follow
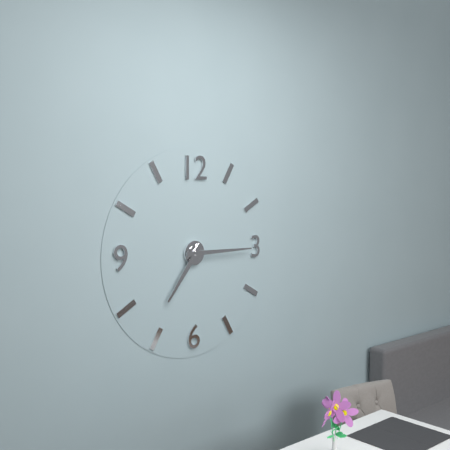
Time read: 7h15
